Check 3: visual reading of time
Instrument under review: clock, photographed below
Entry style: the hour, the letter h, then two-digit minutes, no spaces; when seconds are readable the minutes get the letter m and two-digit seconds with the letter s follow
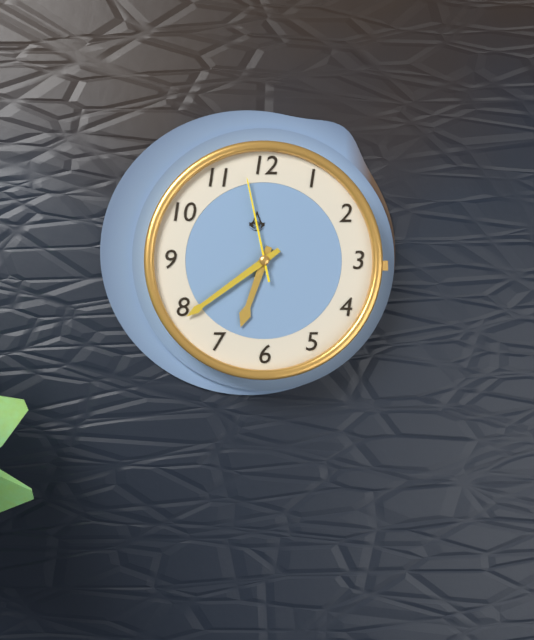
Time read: 6h39m58s
